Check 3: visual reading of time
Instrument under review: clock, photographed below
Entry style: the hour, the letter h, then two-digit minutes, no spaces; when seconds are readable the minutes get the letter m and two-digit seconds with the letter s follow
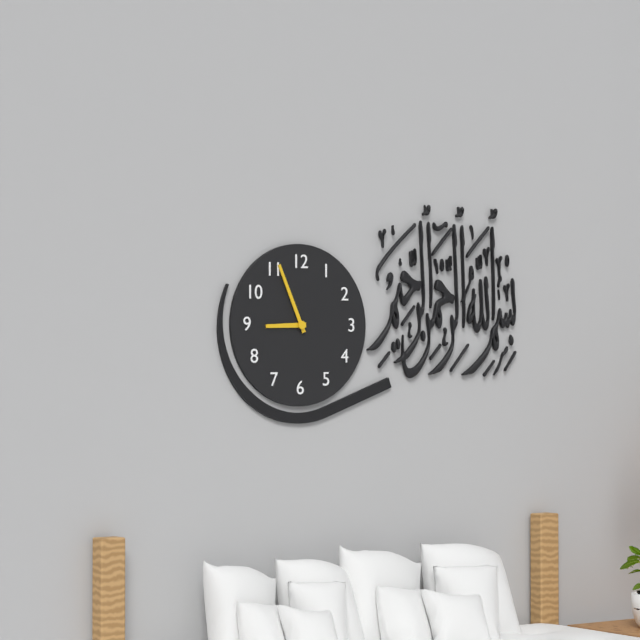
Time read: 8h56
